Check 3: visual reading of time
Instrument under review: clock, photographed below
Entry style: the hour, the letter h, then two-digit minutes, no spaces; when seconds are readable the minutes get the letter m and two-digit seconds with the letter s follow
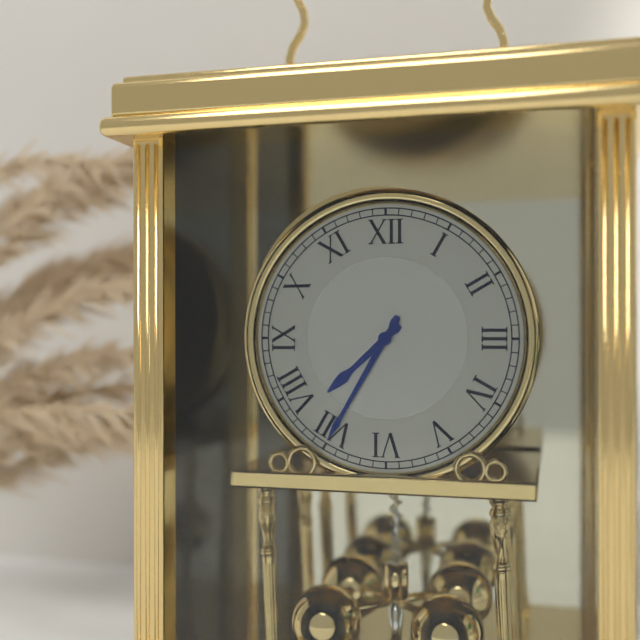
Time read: 7h35
